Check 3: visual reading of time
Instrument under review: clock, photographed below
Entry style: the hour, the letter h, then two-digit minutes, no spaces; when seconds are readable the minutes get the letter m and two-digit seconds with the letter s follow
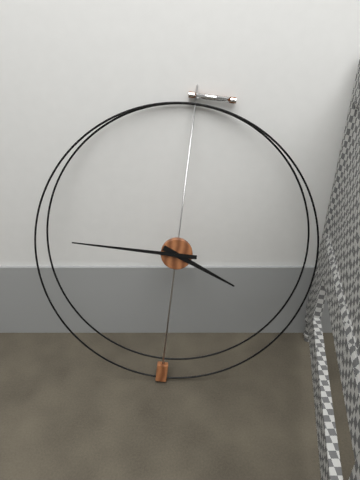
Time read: 3h45
